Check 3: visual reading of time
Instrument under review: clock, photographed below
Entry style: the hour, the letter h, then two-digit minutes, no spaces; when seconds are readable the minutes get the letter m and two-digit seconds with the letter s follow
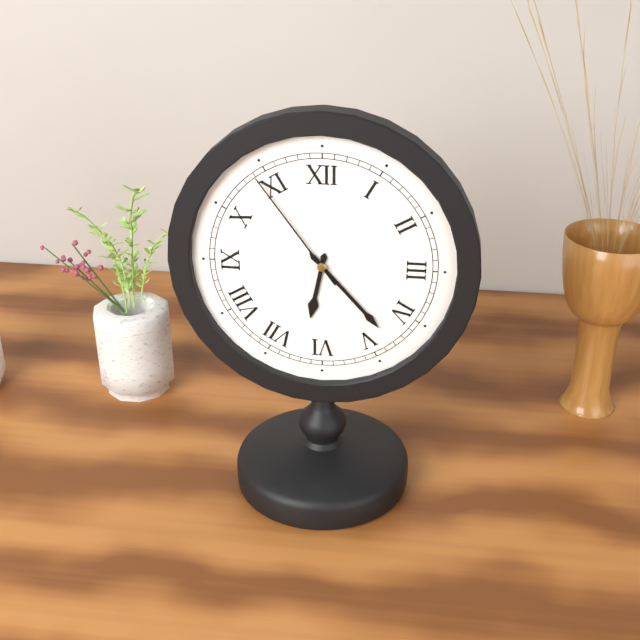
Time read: 6h23m54s
